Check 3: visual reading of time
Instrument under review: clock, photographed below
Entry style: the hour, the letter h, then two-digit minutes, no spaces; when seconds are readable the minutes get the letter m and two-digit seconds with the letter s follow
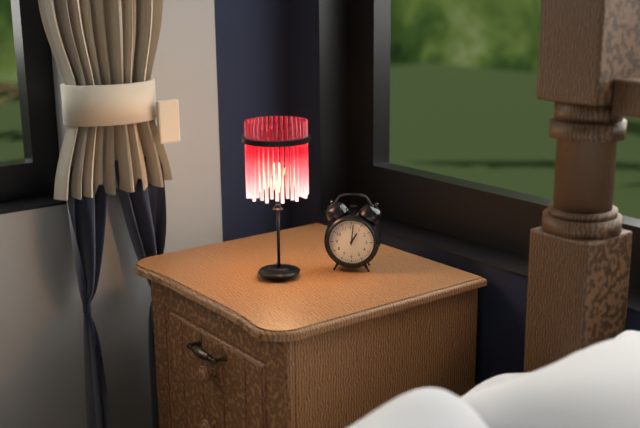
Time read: 1h01
